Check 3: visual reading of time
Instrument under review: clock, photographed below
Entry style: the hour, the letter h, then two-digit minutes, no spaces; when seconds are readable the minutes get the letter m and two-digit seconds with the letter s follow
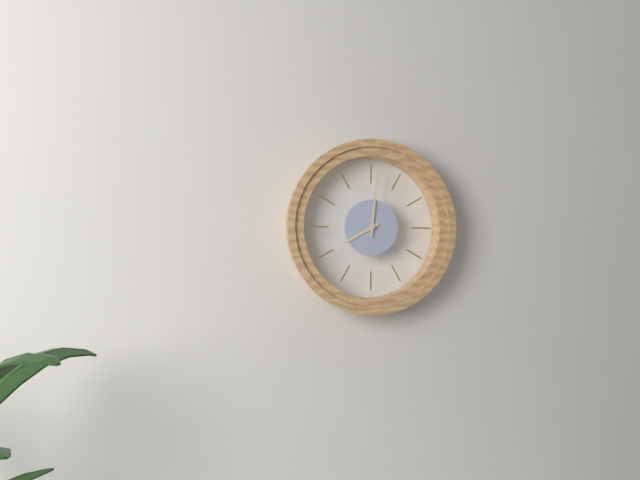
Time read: 8h01
